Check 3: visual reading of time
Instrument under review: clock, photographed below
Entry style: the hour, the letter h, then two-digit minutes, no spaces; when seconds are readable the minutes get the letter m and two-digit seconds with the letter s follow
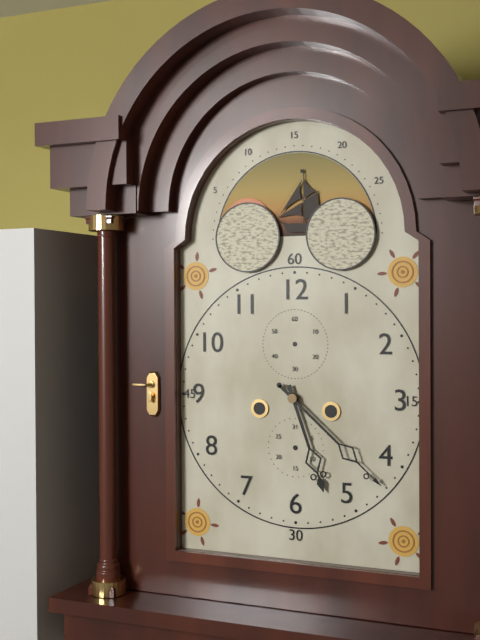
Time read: 5h22
